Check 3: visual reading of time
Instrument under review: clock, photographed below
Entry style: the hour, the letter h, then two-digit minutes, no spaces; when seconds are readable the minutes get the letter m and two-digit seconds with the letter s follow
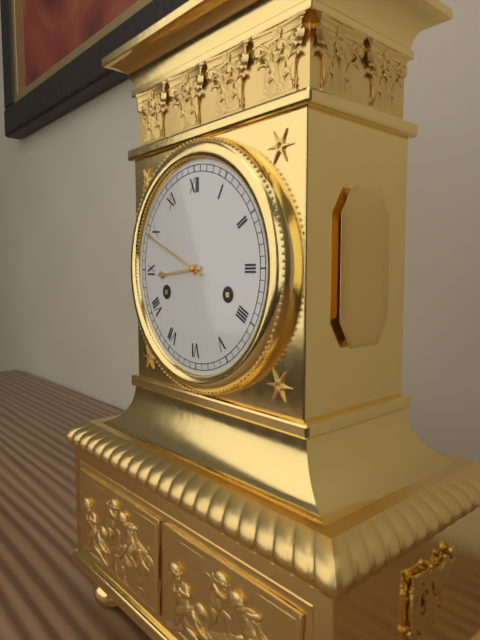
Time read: 8h49
